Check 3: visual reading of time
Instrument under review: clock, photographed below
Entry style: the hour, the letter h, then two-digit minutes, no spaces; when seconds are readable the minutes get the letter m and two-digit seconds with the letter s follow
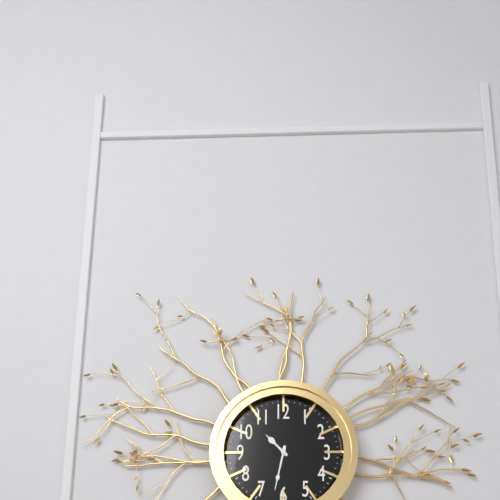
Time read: 10h32
